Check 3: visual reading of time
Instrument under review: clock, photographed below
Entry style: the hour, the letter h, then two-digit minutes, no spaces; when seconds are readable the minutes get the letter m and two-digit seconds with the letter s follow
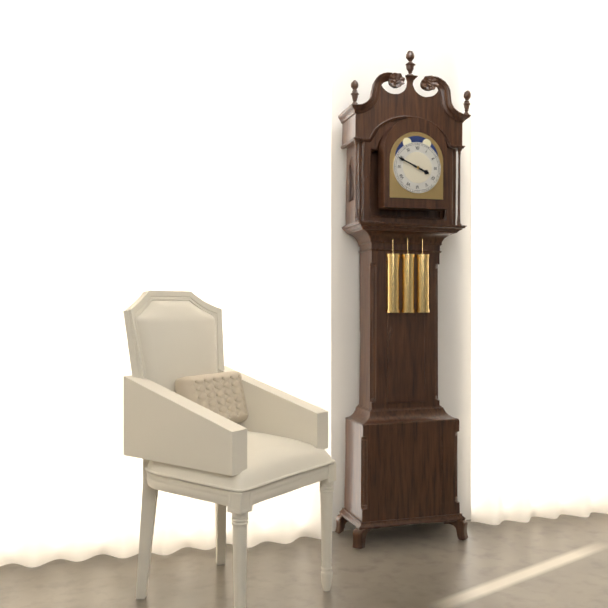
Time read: 3h49
